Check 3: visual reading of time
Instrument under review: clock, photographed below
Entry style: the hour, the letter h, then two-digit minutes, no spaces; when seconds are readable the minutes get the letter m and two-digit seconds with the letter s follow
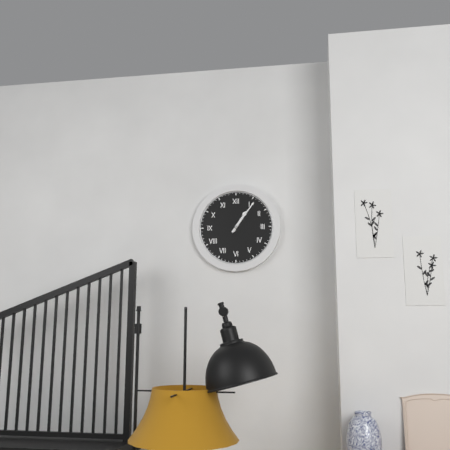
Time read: 1h06
